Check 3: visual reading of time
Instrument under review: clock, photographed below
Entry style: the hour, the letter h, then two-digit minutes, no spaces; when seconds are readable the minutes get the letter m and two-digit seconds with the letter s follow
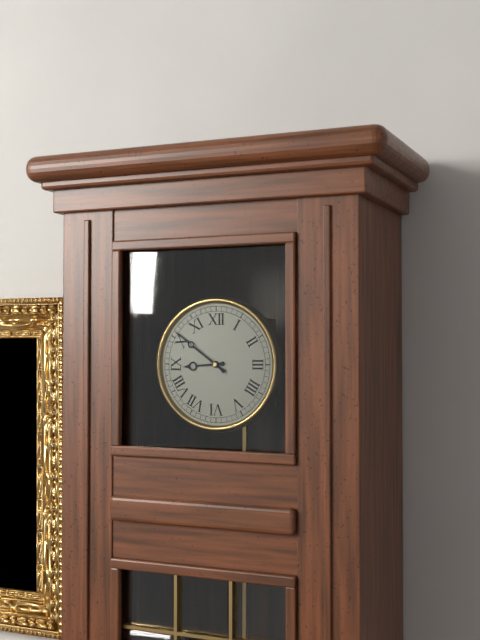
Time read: 8h51
